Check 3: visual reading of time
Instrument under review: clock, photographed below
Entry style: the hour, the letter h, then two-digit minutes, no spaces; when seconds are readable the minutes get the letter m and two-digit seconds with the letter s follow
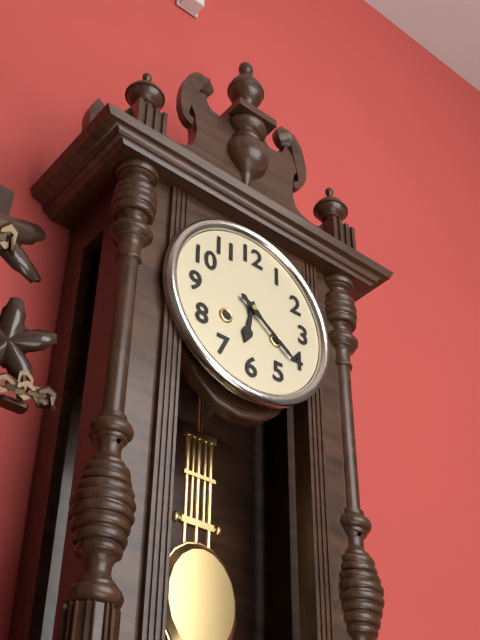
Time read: 6h21
